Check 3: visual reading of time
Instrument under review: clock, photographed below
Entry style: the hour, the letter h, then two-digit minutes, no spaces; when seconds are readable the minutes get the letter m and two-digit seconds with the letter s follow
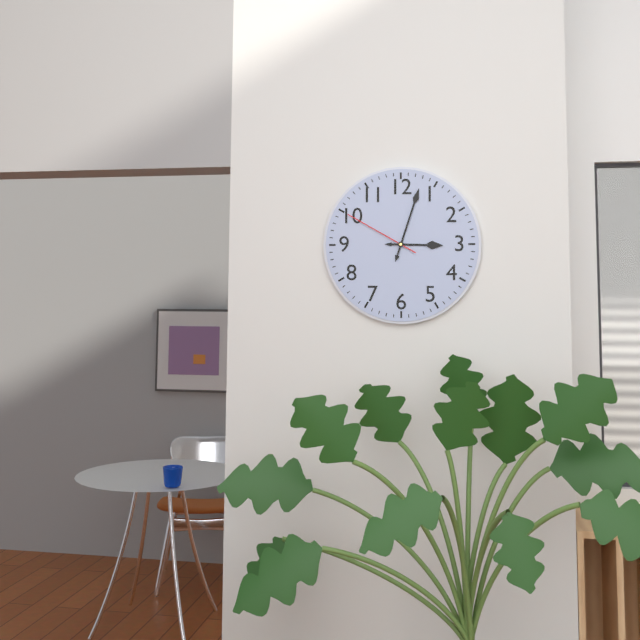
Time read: 3h03m50s
